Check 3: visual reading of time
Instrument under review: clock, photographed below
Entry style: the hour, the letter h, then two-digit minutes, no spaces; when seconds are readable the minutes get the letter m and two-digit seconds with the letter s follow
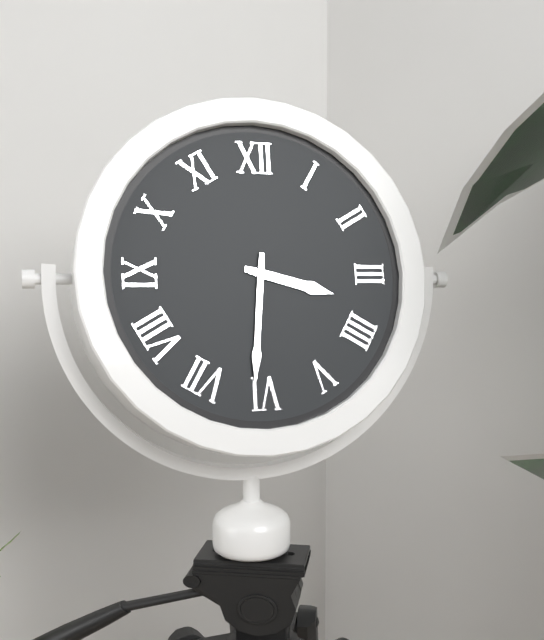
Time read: 3h31
